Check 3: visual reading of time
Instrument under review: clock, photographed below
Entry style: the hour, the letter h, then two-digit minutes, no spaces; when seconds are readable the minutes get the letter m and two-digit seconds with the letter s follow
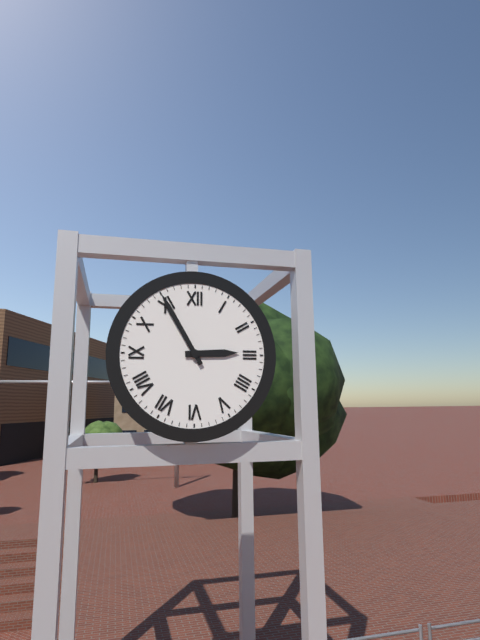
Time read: 2h55
